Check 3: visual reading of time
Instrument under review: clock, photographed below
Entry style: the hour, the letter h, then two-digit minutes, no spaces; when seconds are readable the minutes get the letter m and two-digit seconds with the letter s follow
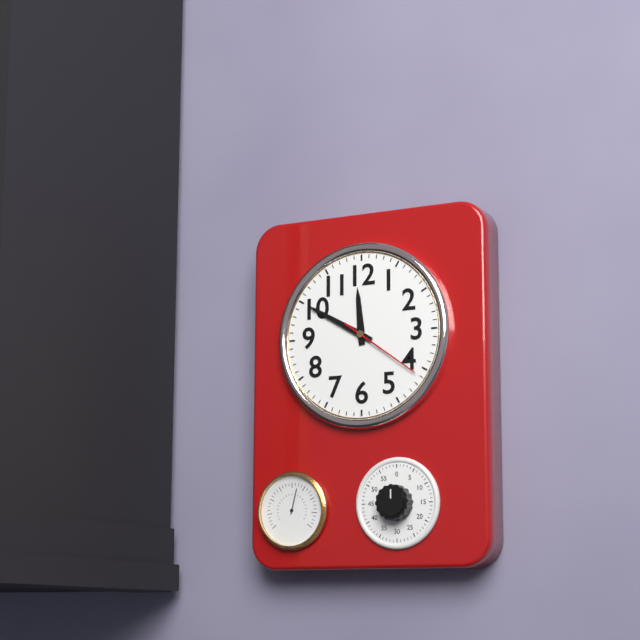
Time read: 11h50m21s
